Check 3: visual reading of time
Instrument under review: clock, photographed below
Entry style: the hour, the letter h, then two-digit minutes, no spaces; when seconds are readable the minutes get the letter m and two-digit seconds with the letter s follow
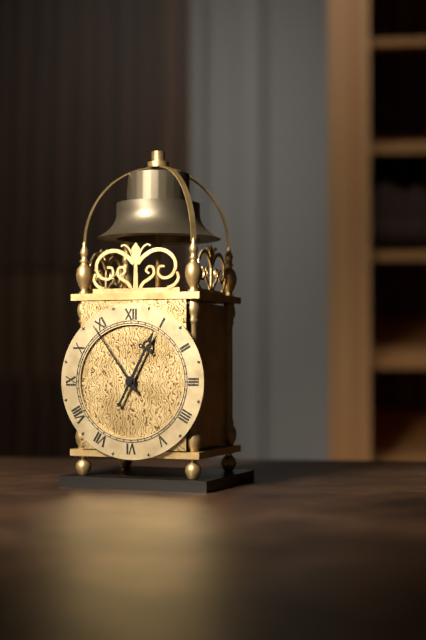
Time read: 12h54
